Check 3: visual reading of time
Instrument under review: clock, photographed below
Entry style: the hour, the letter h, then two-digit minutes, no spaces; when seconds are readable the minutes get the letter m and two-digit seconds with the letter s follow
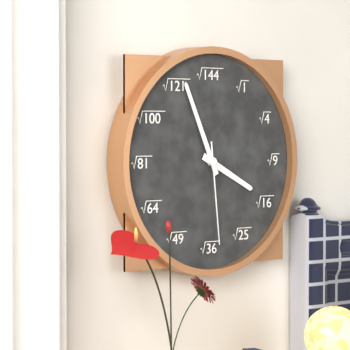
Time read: 3h56m29s
